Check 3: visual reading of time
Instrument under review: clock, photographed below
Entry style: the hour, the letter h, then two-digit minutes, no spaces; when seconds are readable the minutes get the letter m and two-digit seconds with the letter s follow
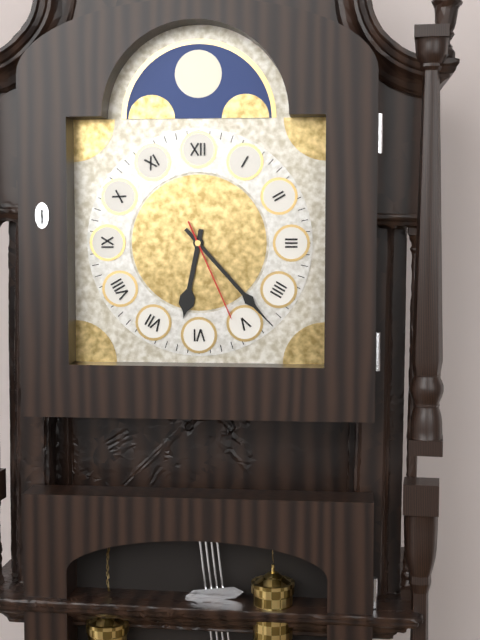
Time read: 6h23m26s
